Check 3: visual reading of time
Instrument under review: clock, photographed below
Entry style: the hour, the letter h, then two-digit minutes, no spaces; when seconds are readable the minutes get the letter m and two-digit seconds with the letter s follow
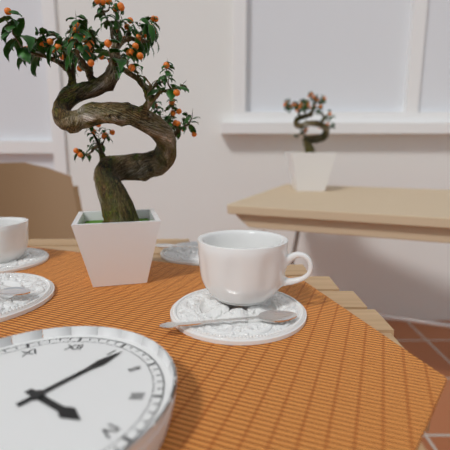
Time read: 4h06
